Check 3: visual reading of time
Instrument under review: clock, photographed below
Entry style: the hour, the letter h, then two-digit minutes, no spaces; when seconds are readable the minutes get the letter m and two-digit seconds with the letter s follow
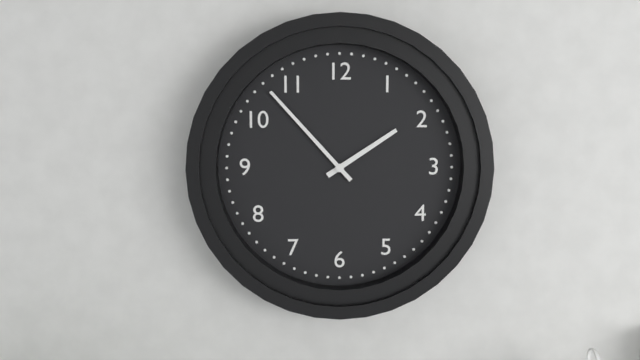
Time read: 1h53
